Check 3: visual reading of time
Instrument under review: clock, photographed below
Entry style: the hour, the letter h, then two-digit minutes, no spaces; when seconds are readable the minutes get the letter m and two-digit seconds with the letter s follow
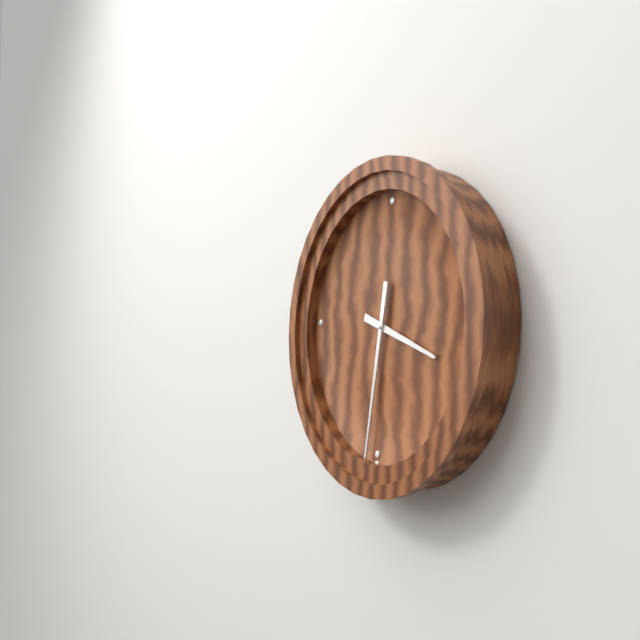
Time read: 3h31
